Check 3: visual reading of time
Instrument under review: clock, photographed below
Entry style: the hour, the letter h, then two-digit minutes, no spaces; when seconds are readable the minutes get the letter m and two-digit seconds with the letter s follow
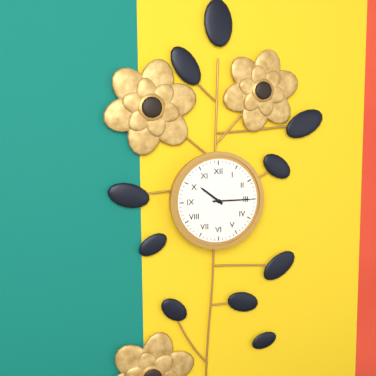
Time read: 10h15
